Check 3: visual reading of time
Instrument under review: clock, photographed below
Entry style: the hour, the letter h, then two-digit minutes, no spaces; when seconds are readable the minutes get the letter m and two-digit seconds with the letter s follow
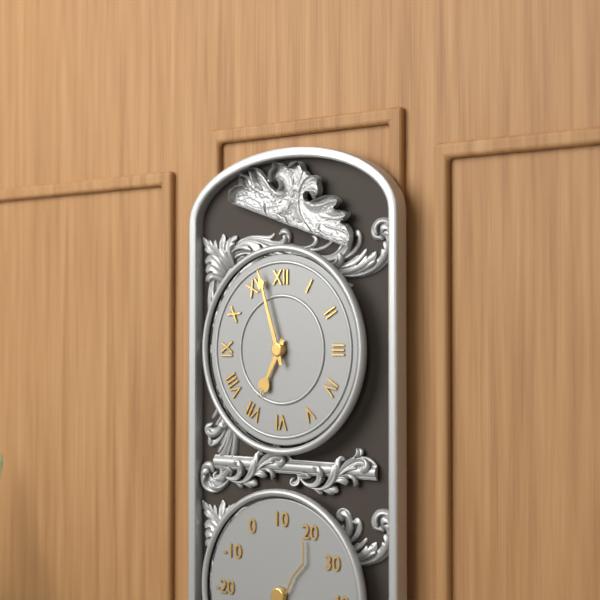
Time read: 6h57
